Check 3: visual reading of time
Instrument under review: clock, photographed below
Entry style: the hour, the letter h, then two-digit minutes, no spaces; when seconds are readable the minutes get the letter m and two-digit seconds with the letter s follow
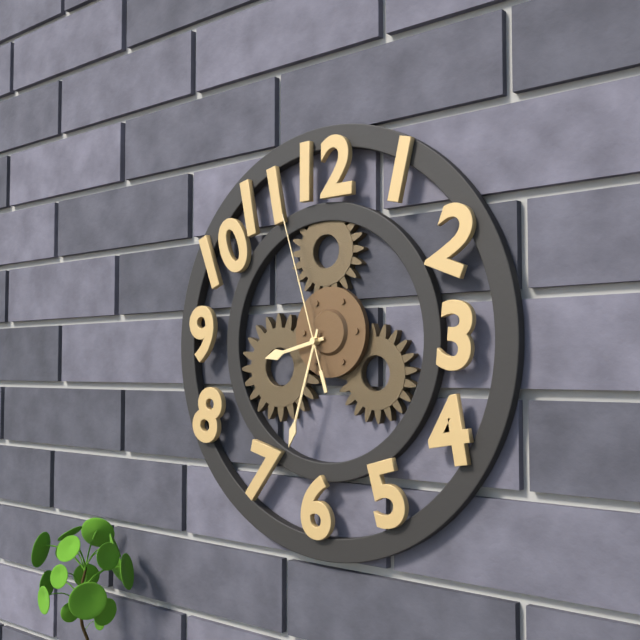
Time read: 8h33m57s
